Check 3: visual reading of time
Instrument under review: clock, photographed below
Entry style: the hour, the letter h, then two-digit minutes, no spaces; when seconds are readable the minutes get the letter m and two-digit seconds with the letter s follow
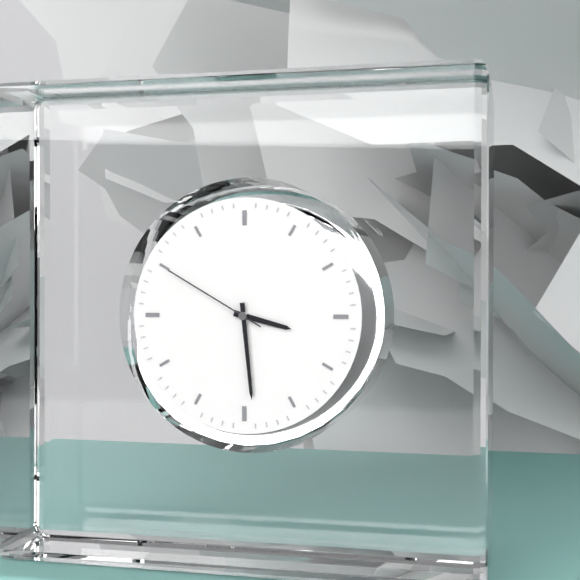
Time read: 3h29m50s
